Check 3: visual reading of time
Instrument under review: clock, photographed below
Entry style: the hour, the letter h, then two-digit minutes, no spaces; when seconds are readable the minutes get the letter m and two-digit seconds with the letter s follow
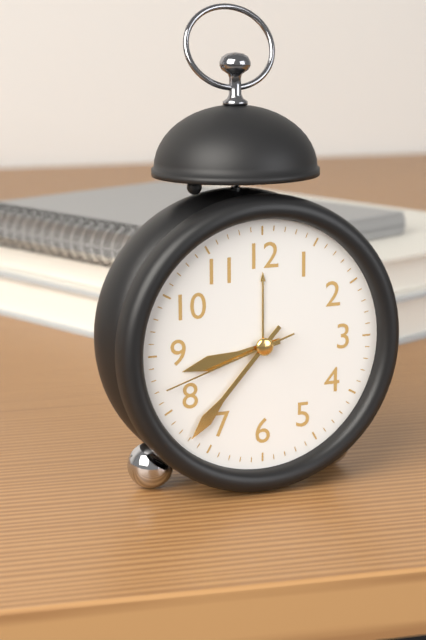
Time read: 8h37m42s
